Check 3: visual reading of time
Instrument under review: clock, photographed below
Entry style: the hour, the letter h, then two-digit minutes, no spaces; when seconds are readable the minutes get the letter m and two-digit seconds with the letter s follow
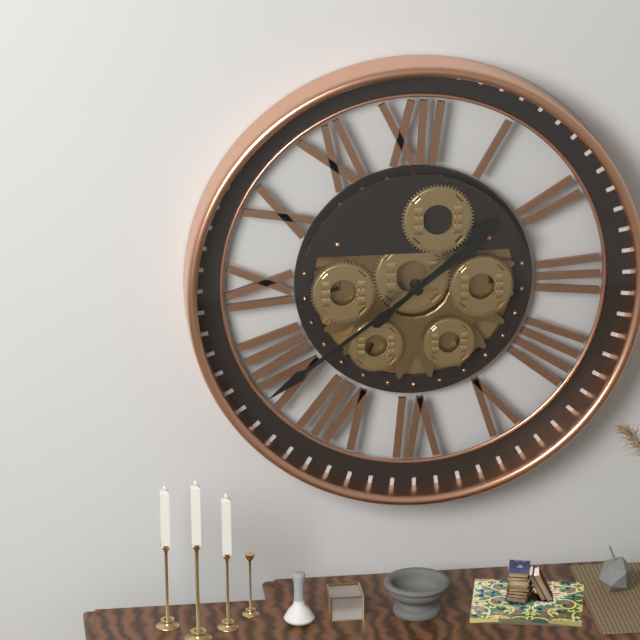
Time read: 1h39
